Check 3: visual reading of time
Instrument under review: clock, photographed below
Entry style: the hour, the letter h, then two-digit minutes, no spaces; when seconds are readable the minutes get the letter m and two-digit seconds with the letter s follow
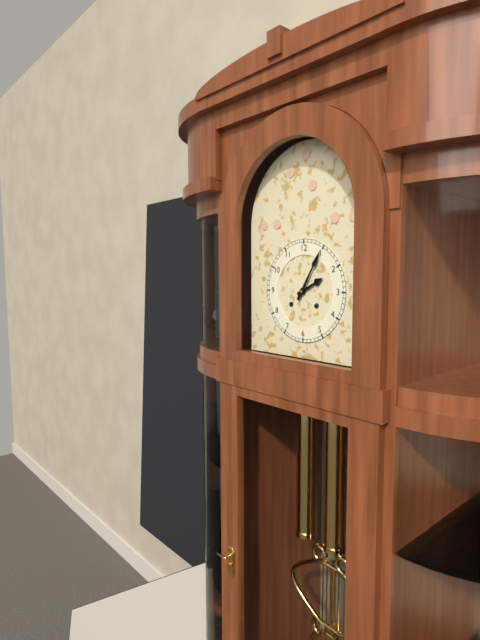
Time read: 2h05
